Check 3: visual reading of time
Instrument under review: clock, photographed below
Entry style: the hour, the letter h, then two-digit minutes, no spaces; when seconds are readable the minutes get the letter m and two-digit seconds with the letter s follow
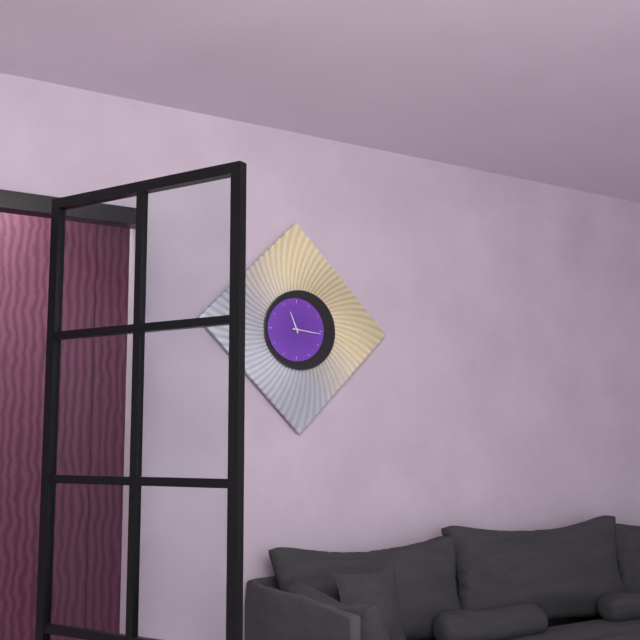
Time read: 11h16
